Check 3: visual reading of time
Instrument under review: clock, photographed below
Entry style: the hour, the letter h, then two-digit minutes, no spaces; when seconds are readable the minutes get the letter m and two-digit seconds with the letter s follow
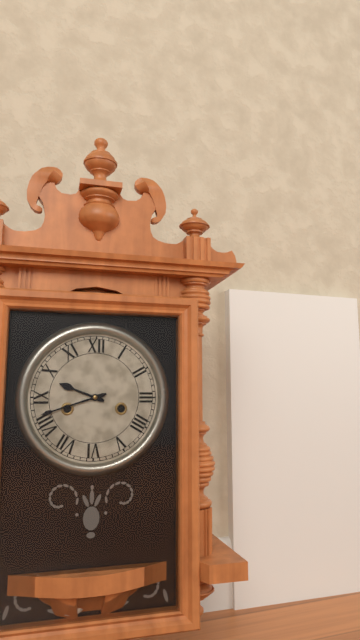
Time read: 9h42
